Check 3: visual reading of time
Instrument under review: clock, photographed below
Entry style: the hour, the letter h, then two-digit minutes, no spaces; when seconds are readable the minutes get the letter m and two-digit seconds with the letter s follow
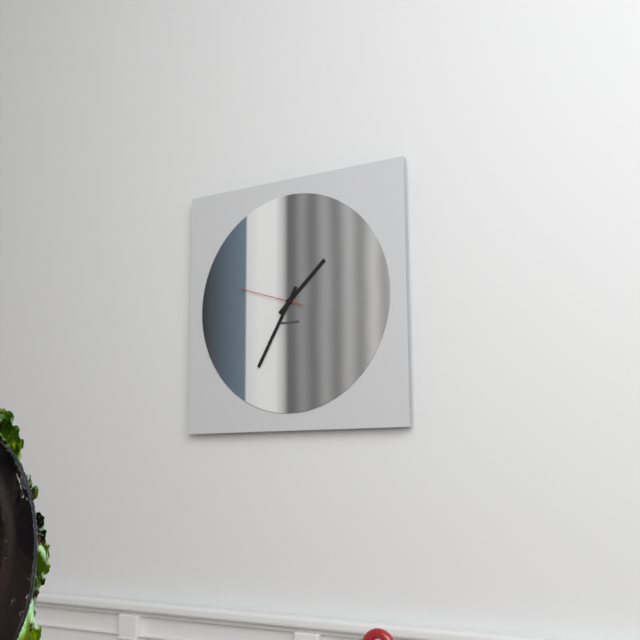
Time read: 1h35m48s
